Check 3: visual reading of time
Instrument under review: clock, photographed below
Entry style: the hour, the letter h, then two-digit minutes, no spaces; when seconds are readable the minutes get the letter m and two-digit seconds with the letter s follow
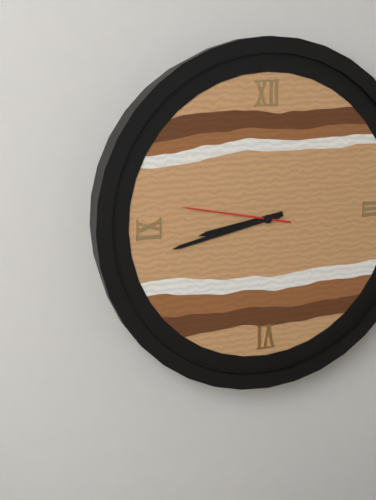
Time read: 8h43m47s
